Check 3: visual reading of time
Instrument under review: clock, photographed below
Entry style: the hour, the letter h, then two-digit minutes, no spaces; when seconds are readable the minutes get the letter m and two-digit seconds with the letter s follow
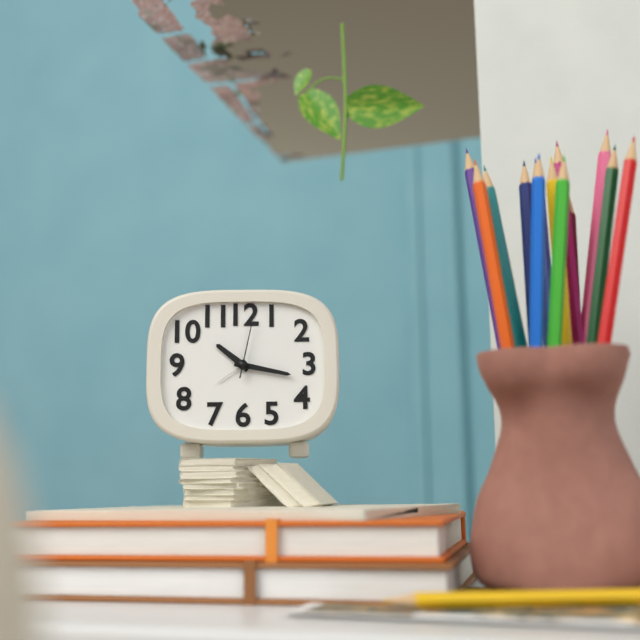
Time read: 10h17m02s
